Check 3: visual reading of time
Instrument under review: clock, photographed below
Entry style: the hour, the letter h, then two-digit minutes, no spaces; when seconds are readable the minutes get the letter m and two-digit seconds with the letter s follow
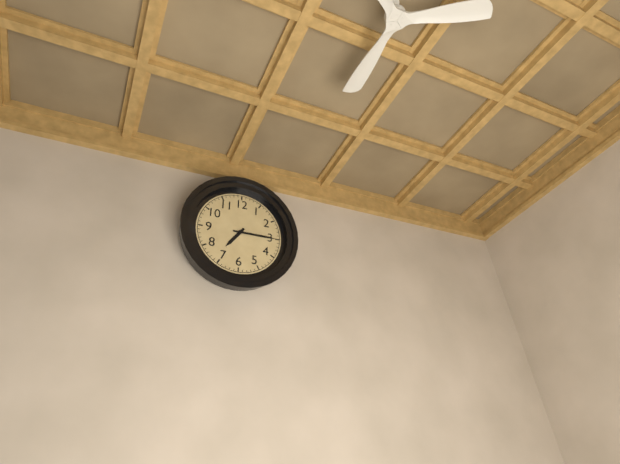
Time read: 7h15
